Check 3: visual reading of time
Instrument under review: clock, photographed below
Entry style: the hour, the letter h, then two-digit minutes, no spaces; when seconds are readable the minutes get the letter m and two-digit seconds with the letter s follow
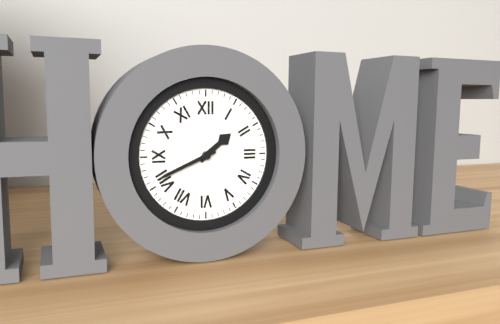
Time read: 1h41
